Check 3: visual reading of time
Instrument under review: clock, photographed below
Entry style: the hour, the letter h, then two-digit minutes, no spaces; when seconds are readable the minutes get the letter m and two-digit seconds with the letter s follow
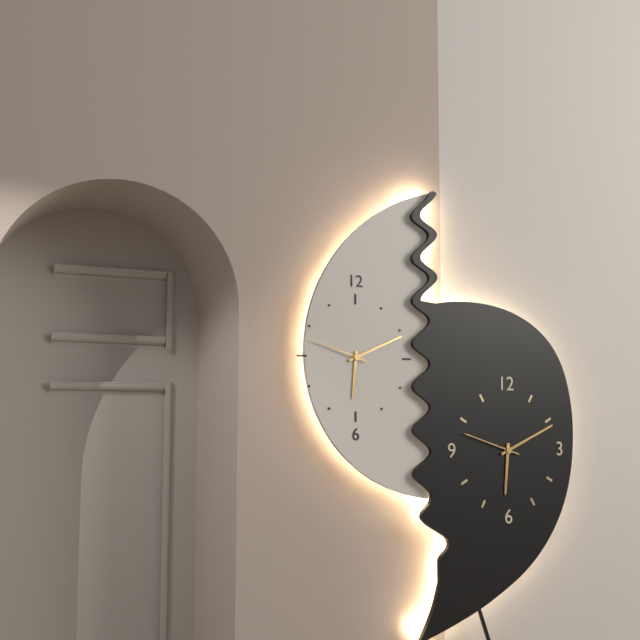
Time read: 6h11m48s
